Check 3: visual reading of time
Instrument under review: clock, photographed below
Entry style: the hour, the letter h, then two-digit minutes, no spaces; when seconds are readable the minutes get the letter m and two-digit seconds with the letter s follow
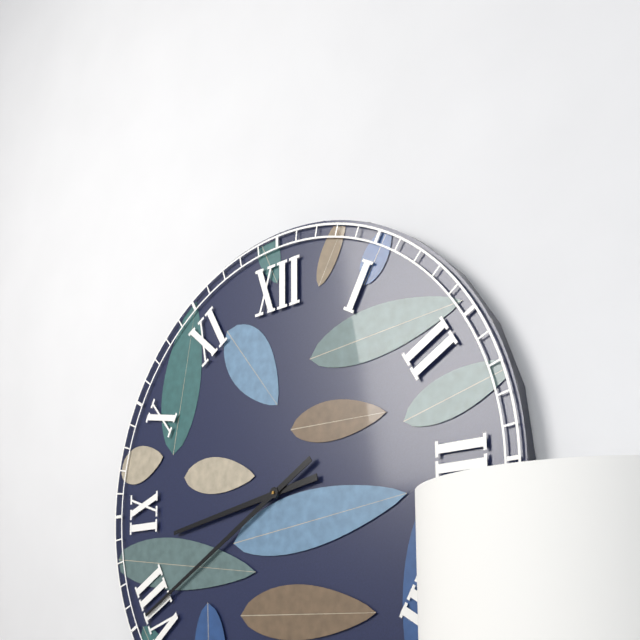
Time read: 8h40
